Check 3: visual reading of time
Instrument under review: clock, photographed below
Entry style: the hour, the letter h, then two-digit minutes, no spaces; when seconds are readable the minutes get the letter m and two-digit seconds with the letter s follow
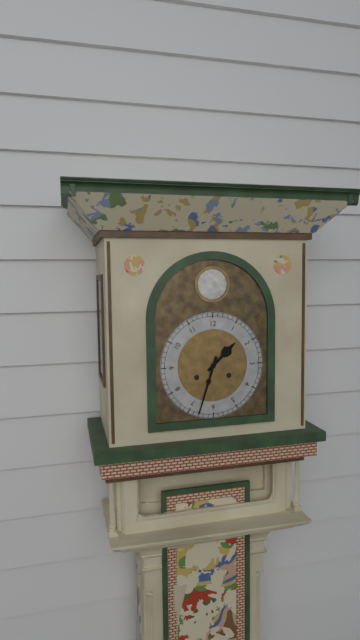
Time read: 1h33
